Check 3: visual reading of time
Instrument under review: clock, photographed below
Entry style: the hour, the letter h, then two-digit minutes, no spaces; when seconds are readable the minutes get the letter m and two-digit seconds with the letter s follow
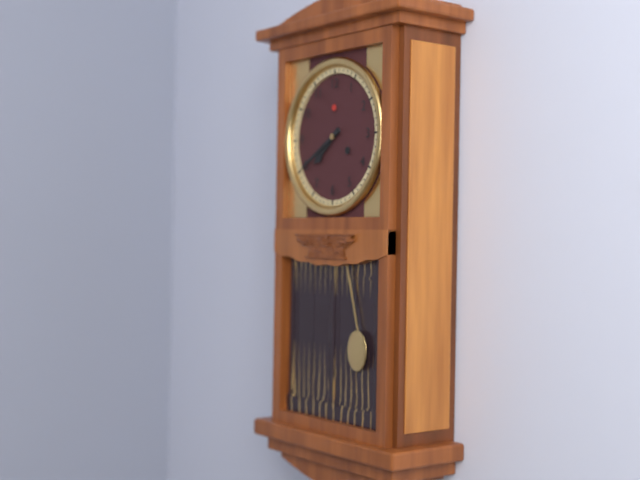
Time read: 7h40
